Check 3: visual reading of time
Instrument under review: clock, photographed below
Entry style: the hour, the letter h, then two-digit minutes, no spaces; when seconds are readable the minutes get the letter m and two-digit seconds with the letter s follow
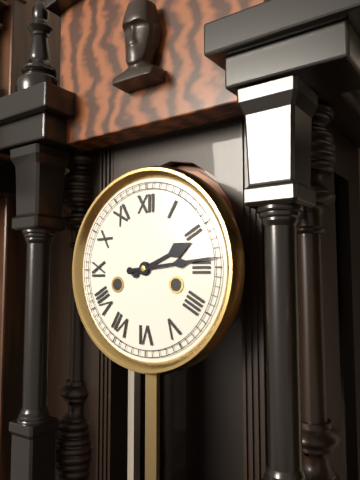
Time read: 2h14
